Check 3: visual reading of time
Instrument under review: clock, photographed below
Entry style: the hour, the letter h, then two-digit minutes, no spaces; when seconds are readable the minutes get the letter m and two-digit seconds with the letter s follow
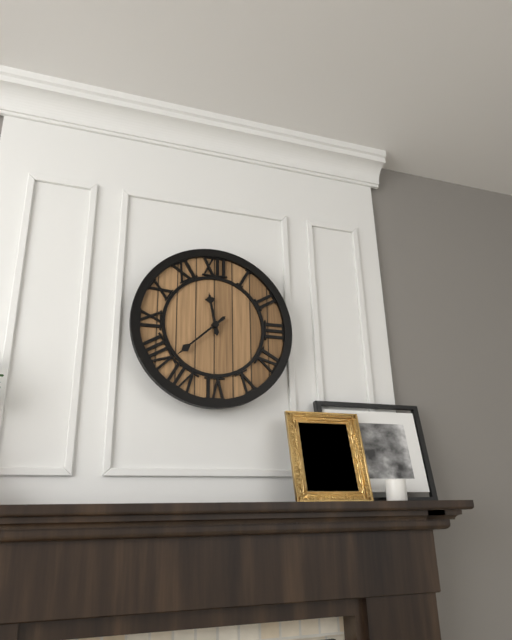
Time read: 11h38
